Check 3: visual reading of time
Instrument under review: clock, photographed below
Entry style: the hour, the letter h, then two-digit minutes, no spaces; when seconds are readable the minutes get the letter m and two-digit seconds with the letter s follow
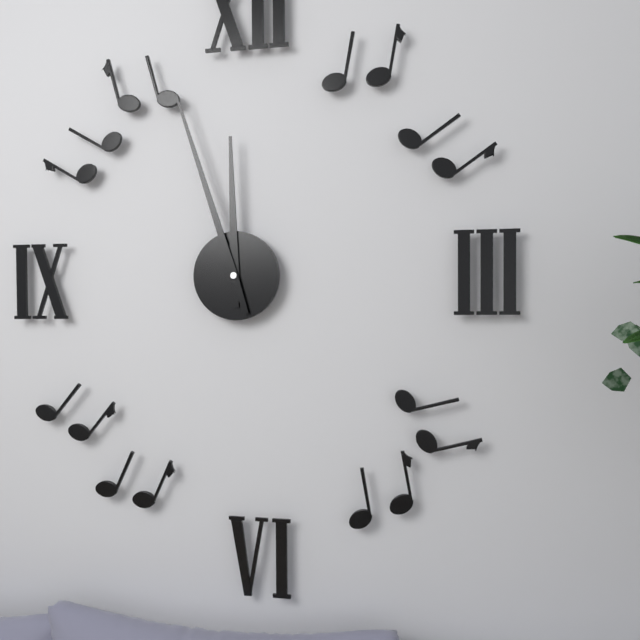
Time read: 11h57
